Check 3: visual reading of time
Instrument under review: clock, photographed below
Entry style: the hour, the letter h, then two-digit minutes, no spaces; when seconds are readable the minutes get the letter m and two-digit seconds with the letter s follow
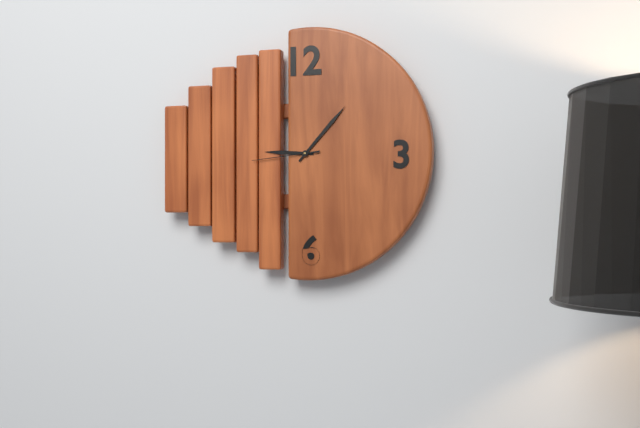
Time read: 9h07m44s
